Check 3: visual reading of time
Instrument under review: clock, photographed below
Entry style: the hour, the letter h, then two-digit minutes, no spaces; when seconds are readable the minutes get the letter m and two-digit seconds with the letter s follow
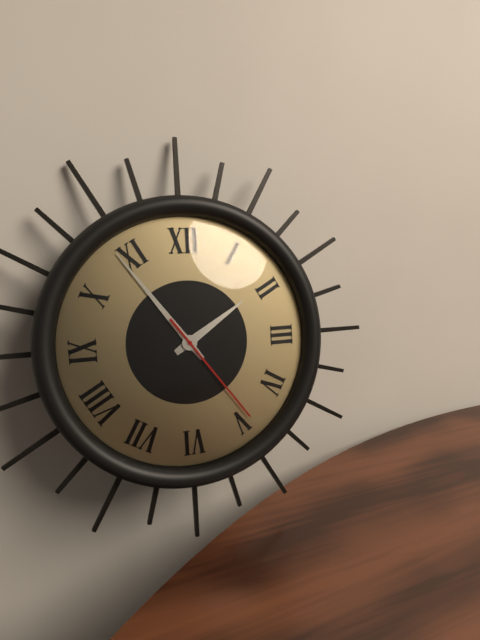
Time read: 1h54m24s
